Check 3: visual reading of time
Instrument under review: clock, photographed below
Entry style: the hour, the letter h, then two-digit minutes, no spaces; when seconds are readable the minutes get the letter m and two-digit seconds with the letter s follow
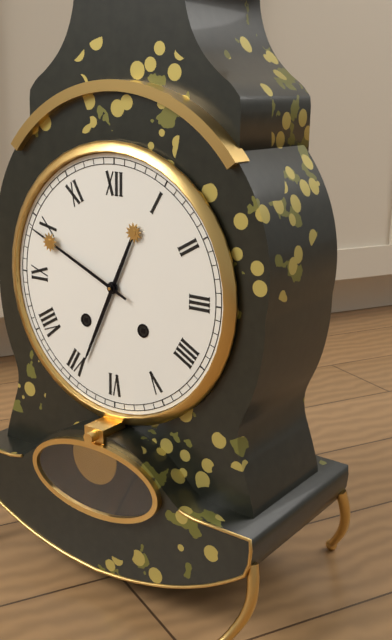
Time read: 6h49
